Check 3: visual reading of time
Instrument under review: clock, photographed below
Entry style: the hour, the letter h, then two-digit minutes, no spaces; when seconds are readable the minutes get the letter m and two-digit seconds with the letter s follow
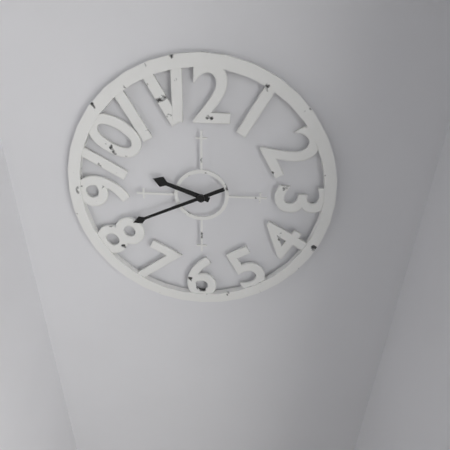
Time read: 9h41
